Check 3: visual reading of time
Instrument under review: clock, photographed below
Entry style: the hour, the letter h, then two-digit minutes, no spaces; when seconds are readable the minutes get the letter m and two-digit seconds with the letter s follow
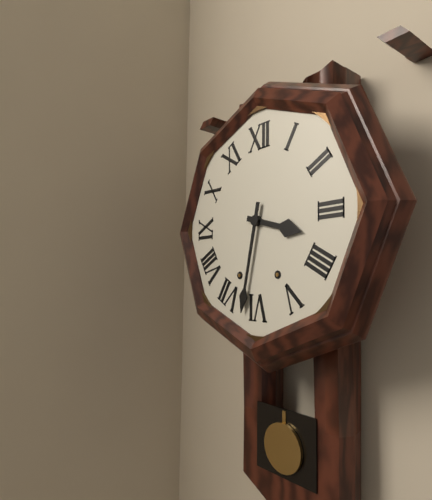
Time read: 3h32
